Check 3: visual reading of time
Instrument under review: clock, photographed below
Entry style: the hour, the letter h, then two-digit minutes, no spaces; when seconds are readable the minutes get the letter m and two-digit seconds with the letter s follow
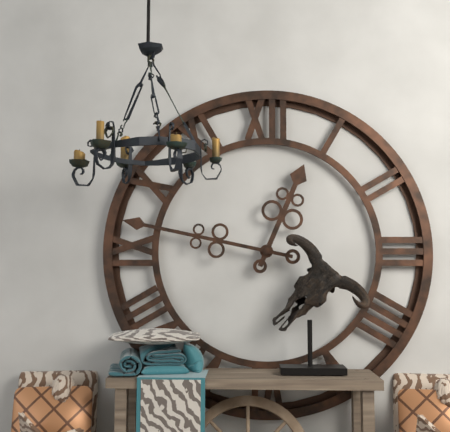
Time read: 12h47
